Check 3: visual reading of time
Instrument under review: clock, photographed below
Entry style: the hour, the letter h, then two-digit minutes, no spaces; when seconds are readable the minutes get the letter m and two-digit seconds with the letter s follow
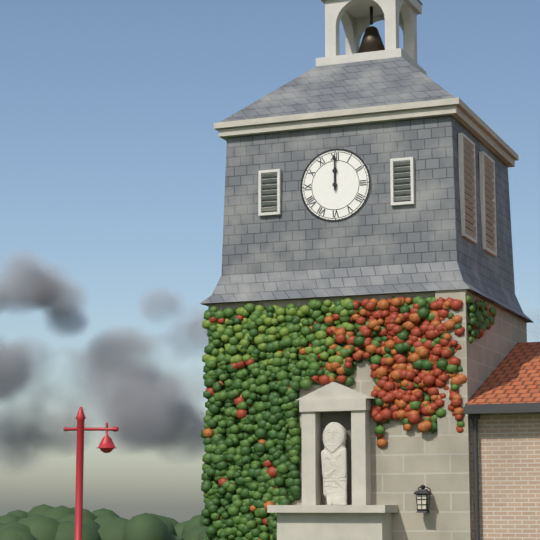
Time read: 12h00
